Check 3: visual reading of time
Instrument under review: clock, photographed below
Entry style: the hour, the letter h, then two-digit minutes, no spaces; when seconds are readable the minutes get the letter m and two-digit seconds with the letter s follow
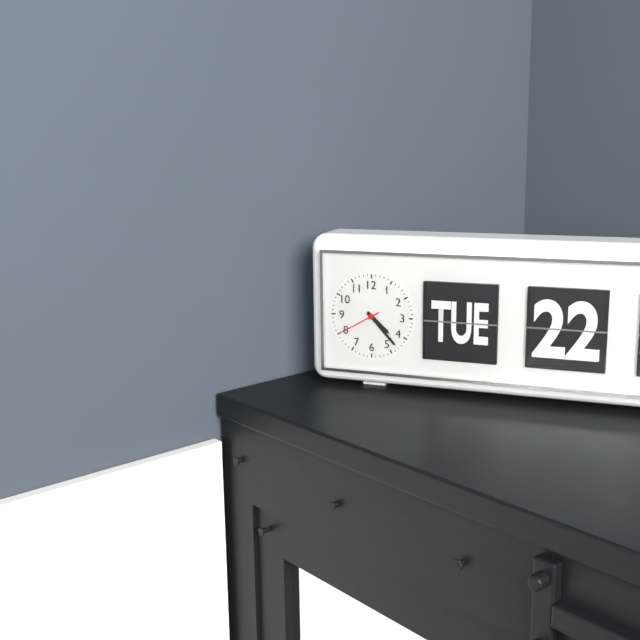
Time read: 4h23m40s
